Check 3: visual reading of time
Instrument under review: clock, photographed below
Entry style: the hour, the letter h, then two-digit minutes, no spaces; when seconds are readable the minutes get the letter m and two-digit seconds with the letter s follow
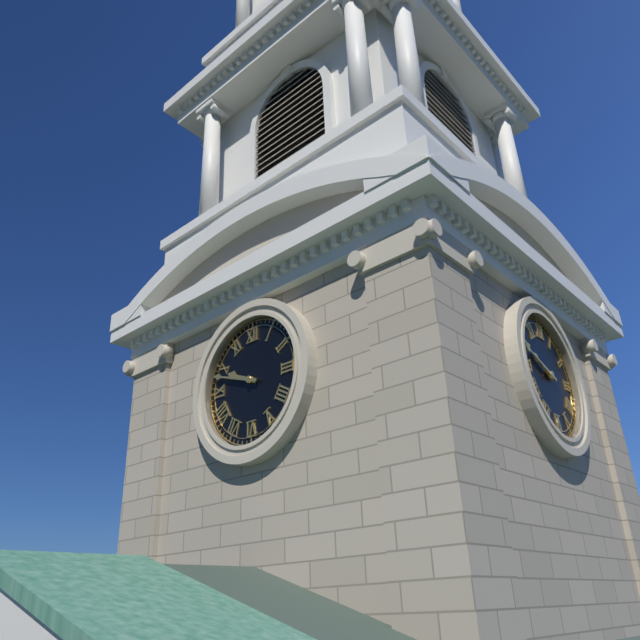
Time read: 9h48
